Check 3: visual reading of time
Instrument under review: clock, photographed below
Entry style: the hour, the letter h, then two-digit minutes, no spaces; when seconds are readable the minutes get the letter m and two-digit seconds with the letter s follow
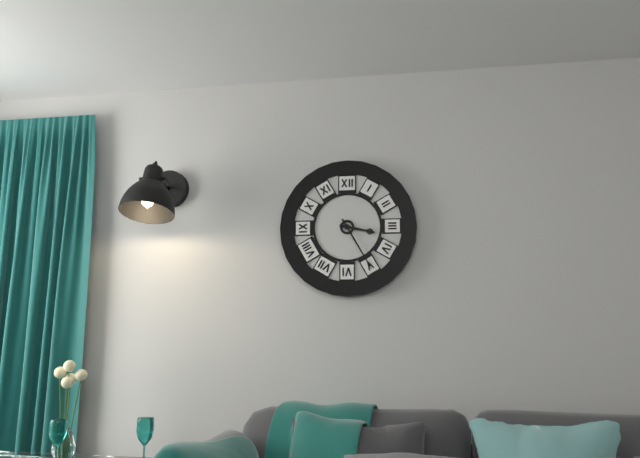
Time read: 3h25
